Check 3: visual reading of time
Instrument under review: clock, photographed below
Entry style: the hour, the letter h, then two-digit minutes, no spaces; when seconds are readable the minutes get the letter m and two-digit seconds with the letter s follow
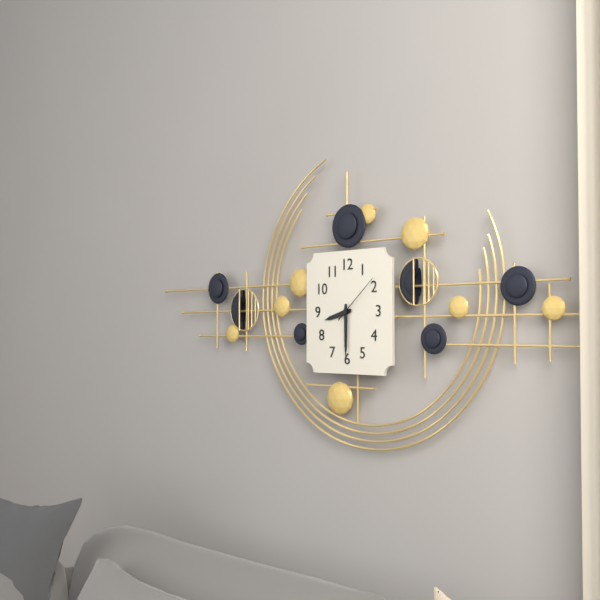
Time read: 8h30m08s
